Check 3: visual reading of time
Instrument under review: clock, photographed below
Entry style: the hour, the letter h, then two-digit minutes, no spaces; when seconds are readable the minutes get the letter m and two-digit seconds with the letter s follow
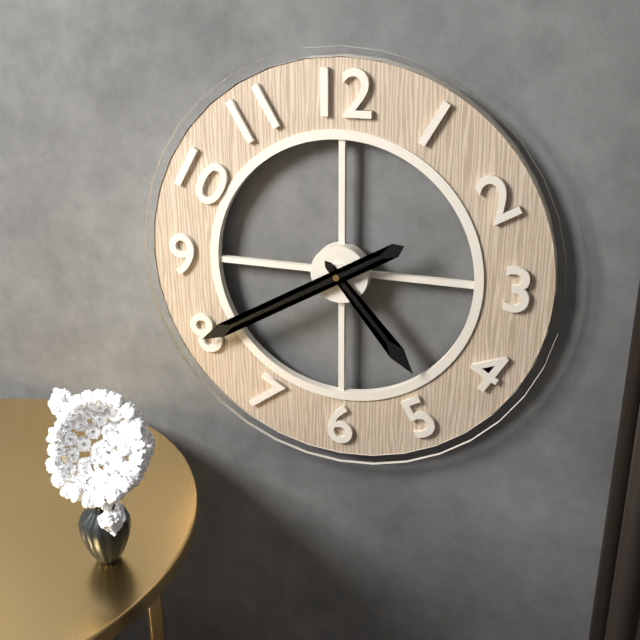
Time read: 4h40
